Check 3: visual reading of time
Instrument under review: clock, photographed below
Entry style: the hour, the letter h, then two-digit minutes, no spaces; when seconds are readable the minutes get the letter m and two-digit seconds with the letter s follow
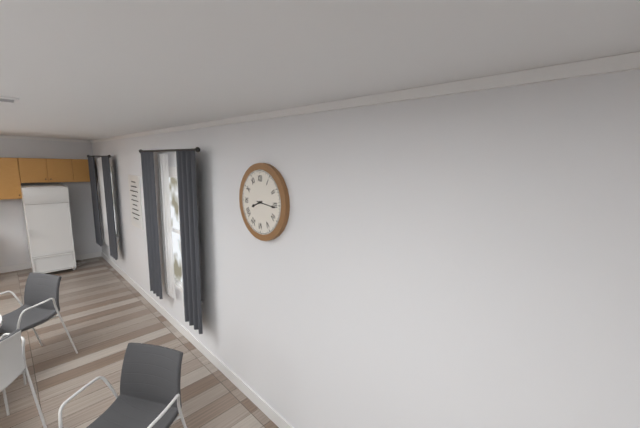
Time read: 8h16
